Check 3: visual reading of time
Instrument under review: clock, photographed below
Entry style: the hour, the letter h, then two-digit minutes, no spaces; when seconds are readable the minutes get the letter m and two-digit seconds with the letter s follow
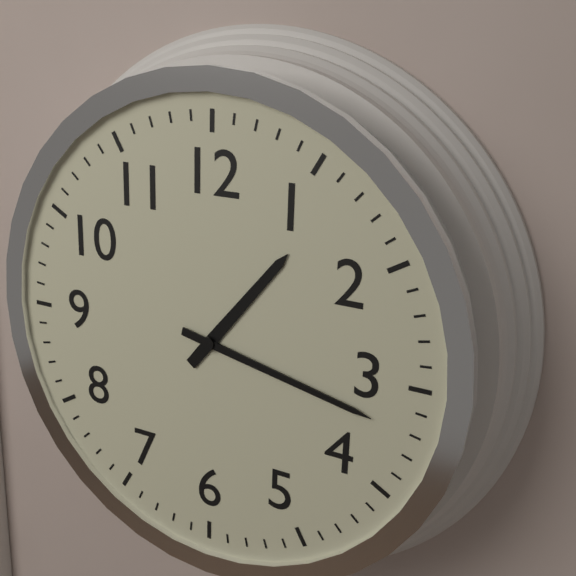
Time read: 1h17
